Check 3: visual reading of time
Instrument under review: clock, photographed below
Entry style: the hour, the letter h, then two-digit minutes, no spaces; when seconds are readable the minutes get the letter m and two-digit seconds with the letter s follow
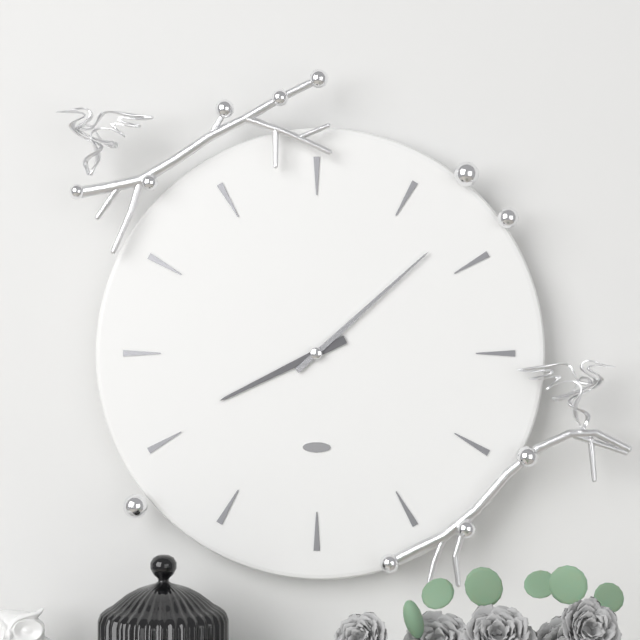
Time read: 8h08
